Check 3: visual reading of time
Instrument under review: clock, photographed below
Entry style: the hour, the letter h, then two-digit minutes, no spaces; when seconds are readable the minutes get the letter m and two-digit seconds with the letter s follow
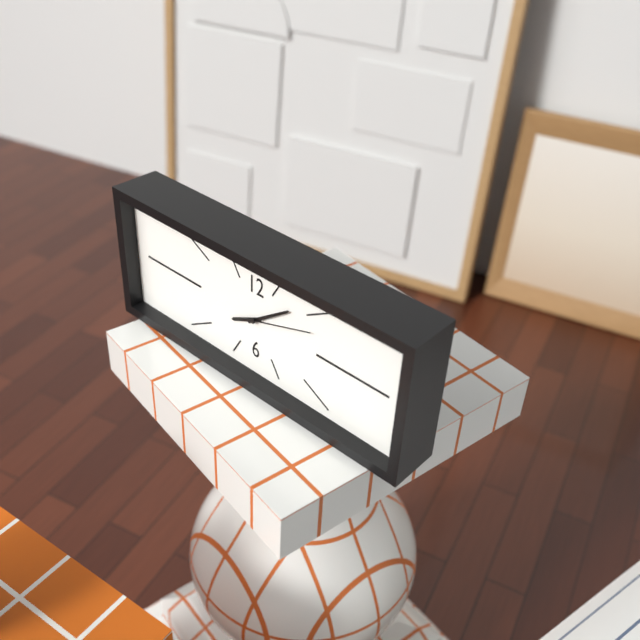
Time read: 8h09m12s
